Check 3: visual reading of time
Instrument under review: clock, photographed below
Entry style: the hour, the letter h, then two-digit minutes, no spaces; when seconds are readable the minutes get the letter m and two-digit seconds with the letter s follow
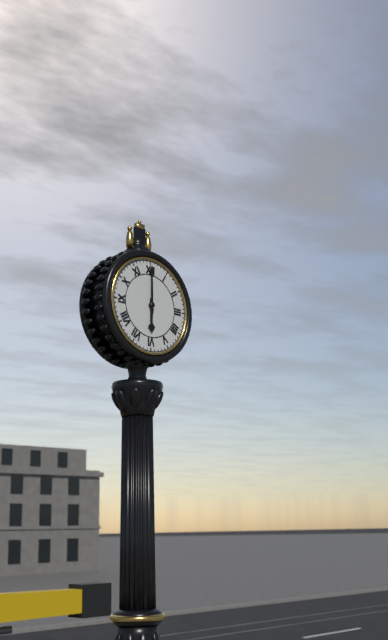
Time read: 6h00
